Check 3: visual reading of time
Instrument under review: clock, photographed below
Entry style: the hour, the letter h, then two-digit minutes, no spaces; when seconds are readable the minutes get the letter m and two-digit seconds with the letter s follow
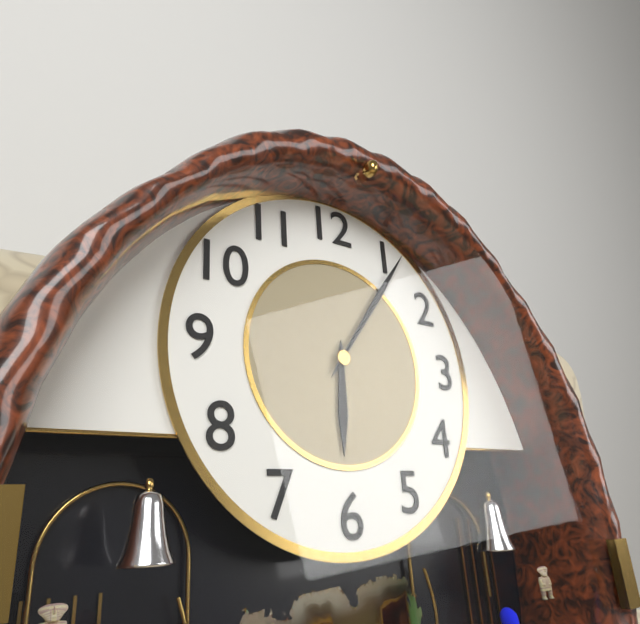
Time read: 6h06
